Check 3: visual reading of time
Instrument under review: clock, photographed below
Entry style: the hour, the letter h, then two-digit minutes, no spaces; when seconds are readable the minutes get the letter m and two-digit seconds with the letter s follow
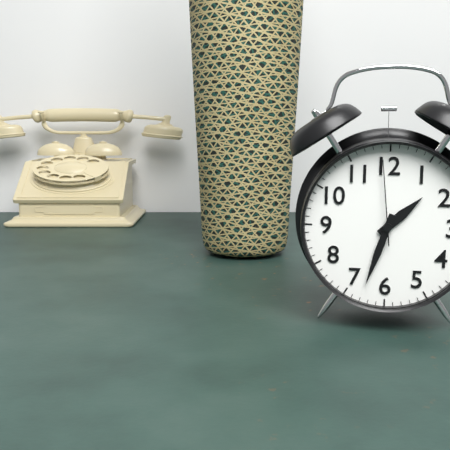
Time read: 1h33m59s
